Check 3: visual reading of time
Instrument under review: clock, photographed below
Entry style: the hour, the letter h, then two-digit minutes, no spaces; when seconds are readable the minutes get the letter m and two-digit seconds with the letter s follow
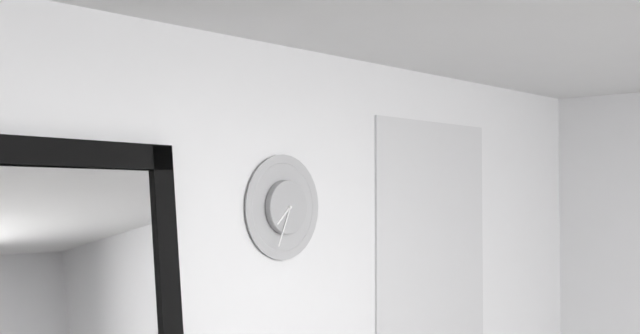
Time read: 7h34
